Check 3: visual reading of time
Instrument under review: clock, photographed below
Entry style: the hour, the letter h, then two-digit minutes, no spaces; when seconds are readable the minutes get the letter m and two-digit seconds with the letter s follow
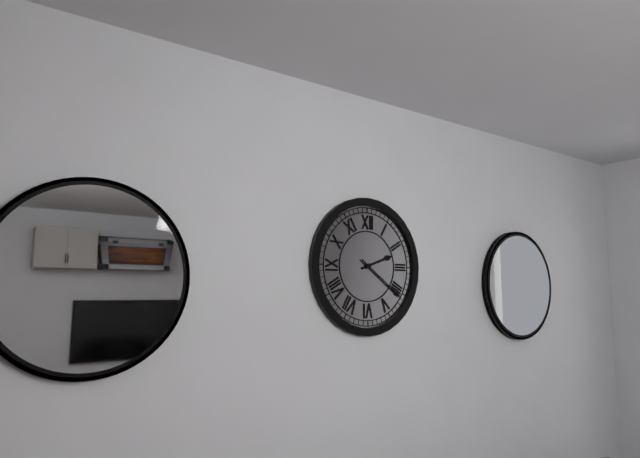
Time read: 2h21
